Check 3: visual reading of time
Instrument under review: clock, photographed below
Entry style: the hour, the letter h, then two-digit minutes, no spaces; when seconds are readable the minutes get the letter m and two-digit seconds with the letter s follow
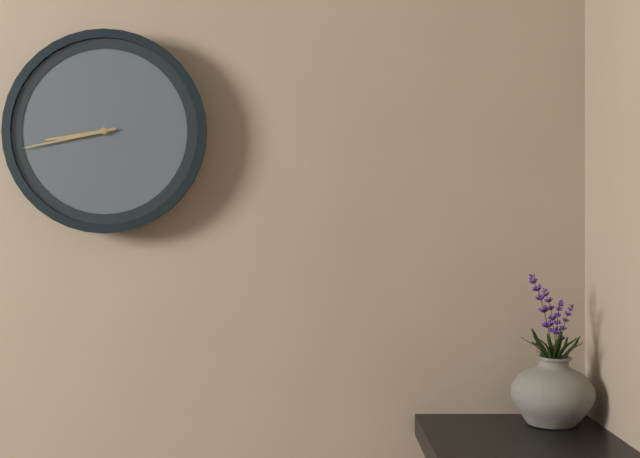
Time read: 8h43
